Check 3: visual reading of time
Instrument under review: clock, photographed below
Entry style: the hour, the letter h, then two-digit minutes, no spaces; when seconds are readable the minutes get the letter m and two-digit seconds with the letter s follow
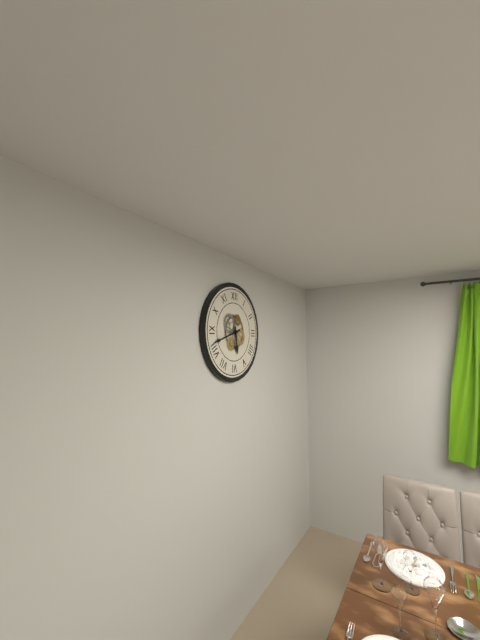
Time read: 5h42
